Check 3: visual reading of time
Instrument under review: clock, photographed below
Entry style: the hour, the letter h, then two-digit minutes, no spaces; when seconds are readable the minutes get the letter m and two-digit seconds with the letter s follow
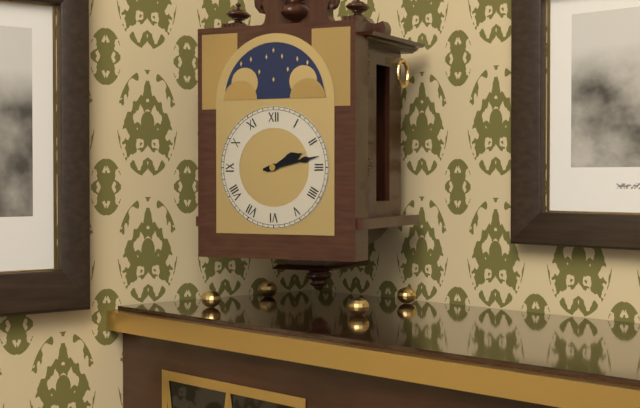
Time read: 2h13
